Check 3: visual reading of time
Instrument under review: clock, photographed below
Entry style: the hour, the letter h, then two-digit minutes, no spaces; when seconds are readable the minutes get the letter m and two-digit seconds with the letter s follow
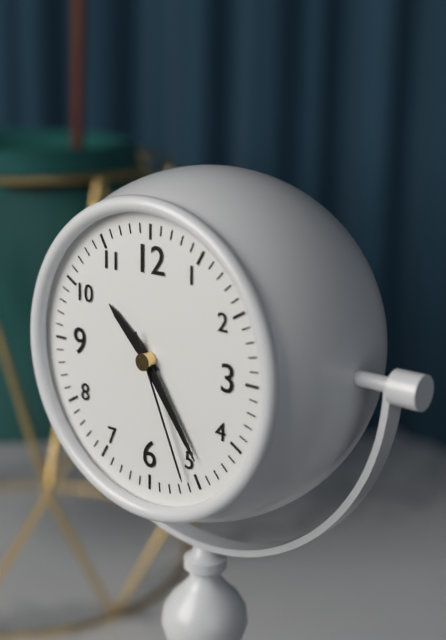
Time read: 10h24m26s
